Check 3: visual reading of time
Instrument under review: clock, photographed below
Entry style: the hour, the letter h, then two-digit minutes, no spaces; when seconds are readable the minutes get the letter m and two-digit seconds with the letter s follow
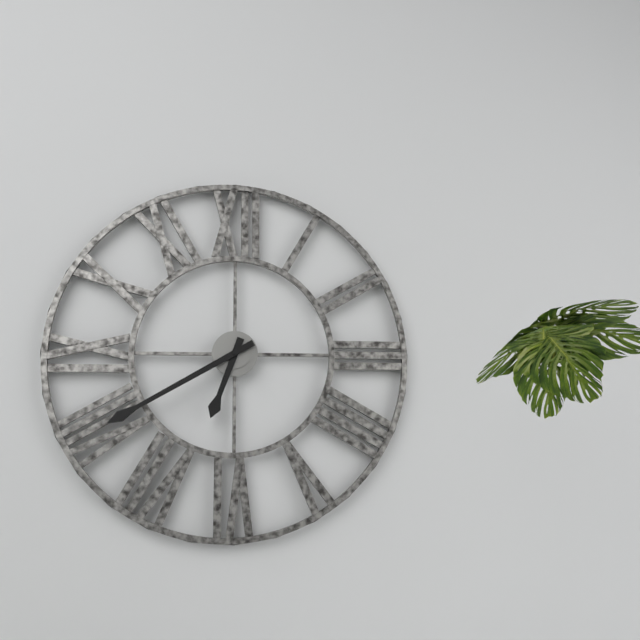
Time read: 6h40
